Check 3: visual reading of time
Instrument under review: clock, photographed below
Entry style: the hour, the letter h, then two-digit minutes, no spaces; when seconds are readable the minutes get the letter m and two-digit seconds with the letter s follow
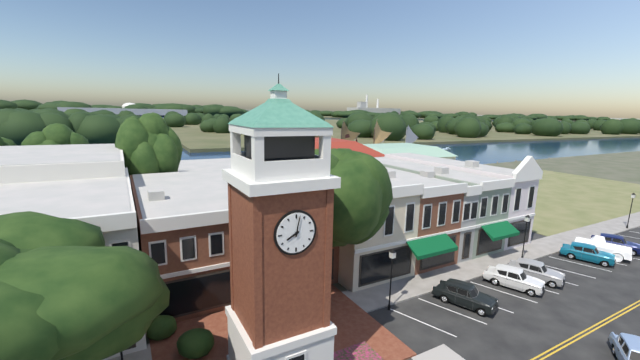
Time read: 8h02
